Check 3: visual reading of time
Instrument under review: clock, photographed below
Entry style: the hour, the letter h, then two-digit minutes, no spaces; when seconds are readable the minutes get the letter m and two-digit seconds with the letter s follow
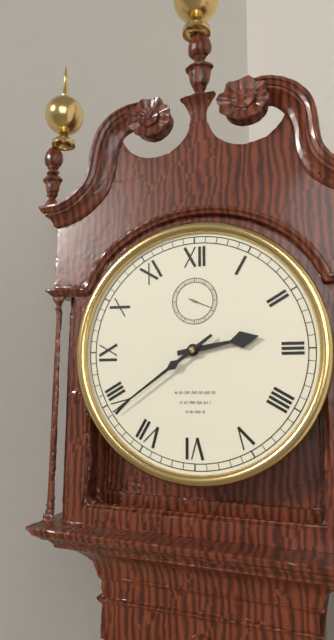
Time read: 2h39
